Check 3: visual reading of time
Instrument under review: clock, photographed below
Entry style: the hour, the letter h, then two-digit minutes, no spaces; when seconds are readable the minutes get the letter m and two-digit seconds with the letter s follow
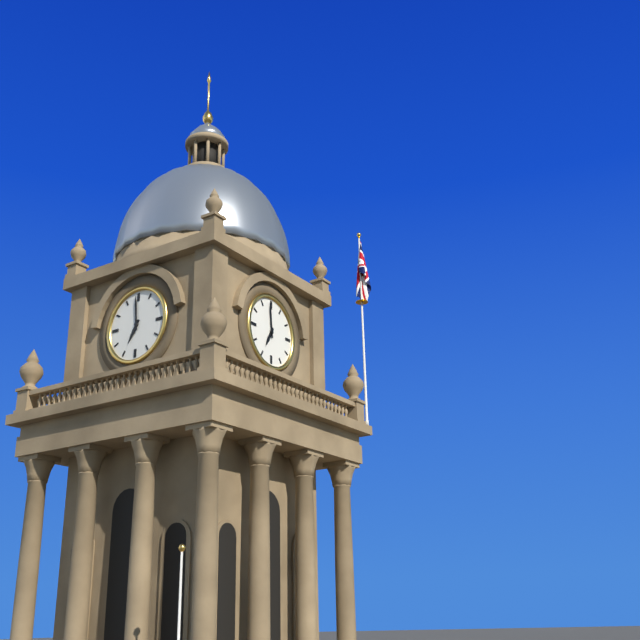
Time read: 6h59
